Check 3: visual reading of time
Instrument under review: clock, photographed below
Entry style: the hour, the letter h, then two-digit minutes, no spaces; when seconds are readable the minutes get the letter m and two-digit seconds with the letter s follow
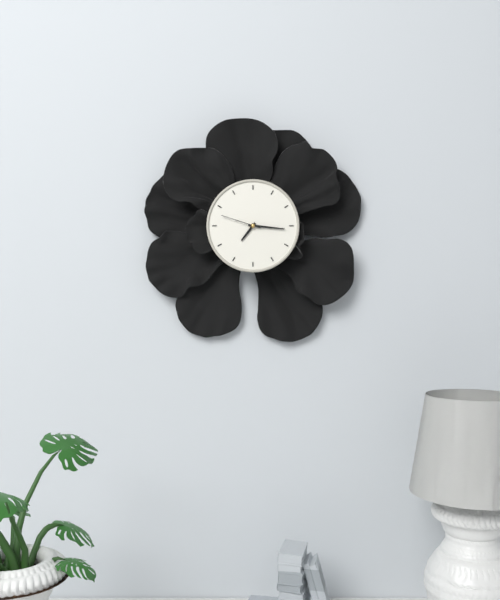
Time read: 7h16
